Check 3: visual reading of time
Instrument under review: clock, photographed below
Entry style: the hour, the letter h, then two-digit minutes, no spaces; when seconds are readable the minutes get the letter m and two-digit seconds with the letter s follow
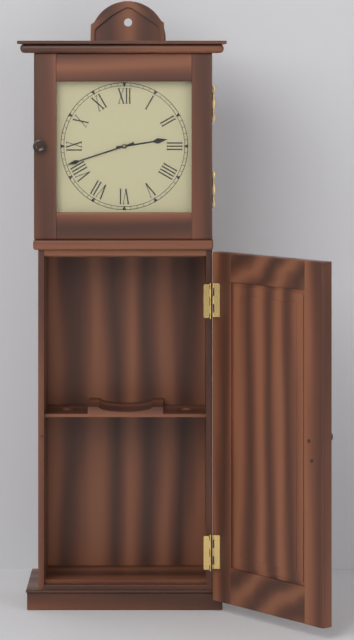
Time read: 2h42
